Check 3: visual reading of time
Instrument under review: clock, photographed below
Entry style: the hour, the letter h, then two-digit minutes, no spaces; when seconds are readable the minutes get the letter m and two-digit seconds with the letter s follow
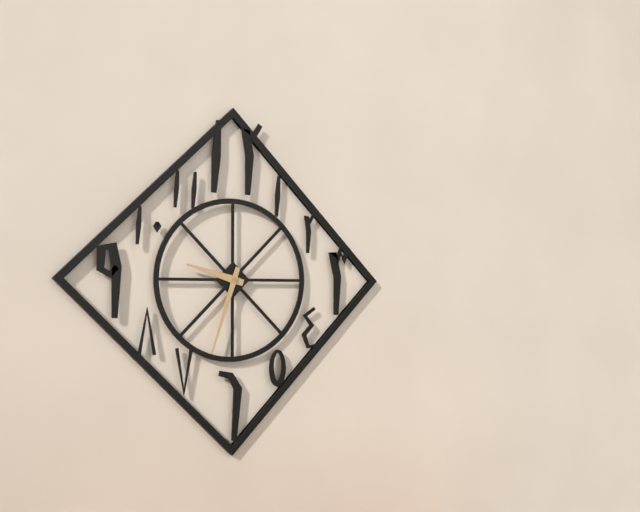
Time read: 9h33
